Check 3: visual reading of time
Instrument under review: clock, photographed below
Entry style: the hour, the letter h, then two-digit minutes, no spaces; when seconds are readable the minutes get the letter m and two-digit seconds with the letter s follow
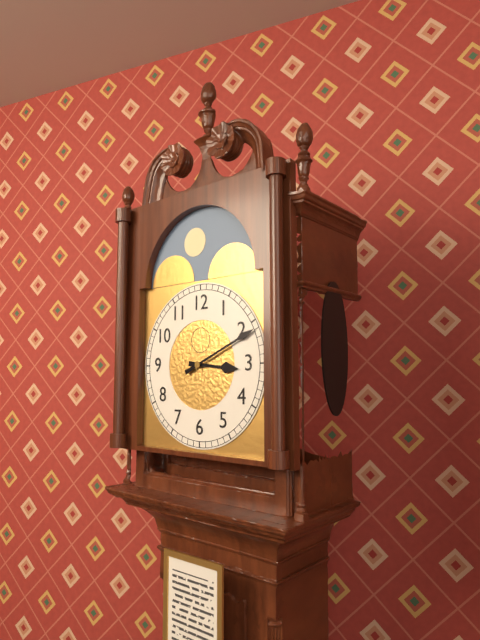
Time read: 3h11
